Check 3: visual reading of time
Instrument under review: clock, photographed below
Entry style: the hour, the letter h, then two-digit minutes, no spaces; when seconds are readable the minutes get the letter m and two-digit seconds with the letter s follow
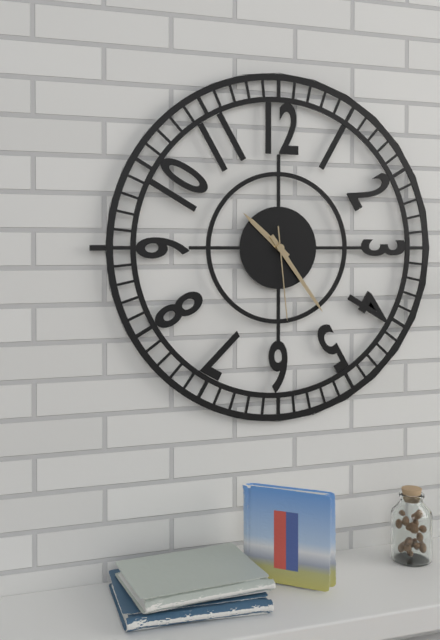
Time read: 10h24m29s
